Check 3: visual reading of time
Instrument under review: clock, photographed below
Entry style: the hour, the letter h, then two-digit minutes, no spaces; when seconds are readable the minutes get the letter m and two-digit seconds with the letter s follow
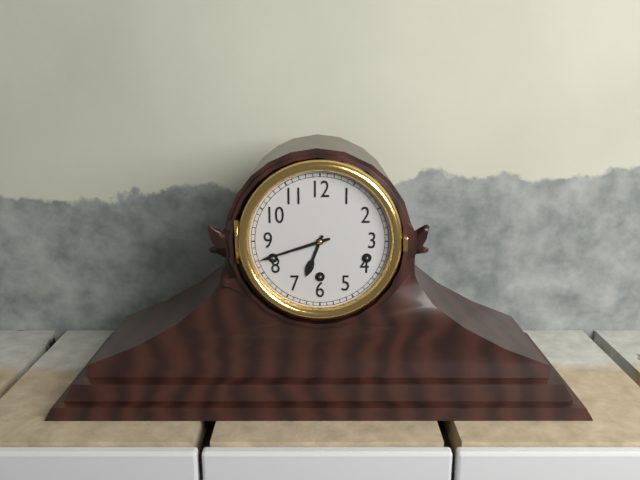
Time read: 6h42
